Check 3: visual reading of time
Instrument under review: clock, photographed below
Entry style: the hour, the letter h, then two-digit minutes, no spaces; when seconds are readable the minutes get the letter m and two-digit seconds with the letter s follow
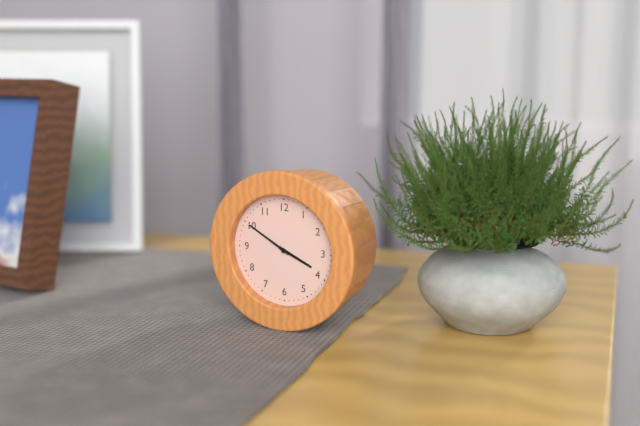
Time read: 3h50
